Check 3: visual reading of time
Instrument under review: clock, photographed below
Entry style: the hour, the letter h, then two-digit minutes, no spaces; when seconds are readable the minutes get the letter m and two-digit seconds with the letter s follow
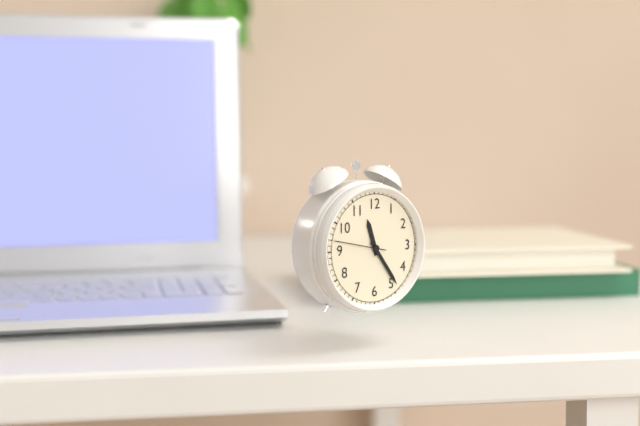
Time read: 11h24m47s
